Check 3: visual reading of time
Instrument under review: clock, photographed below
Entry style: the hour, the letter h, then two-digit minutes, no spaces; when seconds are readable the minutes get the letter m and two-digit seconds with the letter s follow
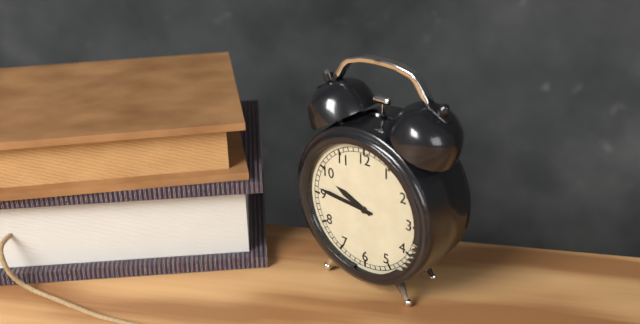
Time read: 9h46
